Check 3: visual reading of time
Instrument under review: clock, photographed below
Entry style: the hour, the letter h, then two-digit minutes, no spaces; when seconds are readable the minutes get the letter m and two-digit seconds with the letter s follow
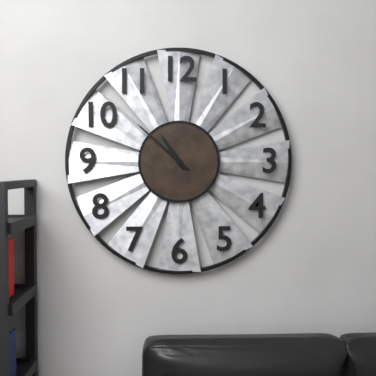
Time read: 10h52
